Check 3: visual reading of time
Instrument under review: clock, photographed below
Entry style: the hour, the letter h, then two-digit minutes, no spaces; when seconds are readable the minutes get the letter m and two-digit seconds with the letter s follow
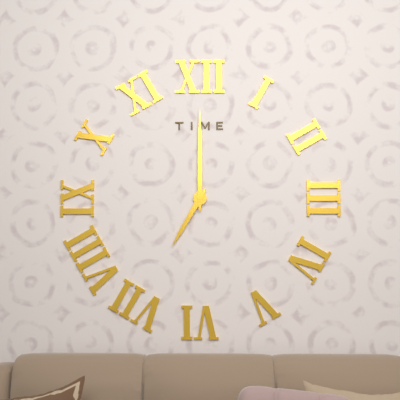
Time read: 7h00
